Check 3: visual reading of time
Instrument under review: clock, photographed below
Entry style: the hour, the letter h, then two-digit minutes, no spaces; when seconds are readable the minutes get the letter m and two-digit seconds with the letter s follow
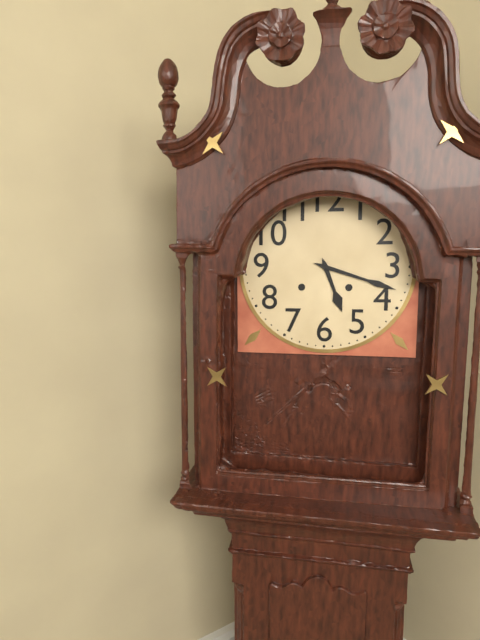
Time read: 5h18
